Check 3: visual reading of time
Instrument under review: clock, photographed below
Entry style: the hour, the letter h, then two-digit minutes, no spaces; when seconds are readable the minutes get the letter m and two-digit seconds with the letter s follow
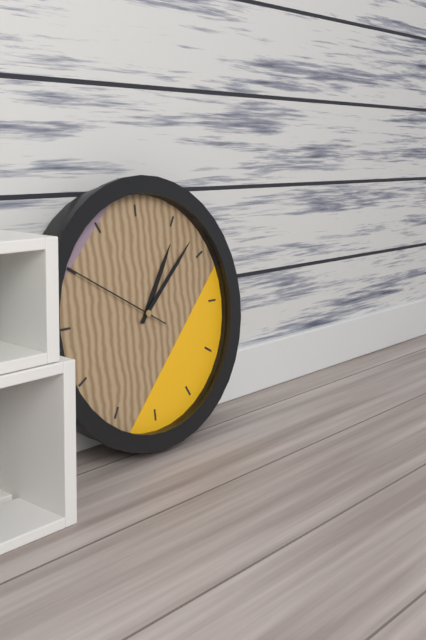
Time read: 1h08m50s
